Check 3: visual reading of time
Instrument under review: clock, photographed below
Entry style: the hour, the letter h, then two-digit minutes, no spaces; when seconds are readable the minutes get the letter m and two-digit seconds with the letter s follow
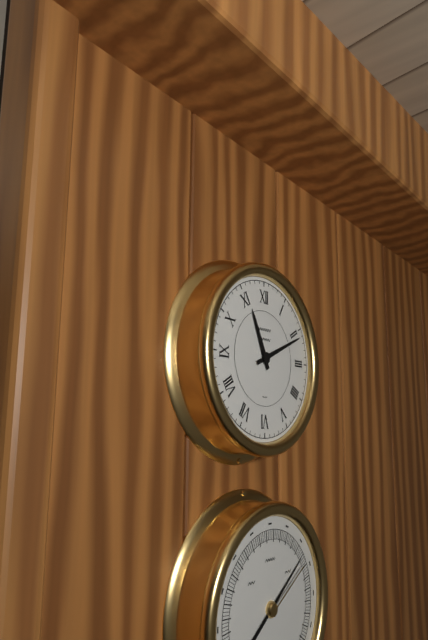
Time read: 11h11
